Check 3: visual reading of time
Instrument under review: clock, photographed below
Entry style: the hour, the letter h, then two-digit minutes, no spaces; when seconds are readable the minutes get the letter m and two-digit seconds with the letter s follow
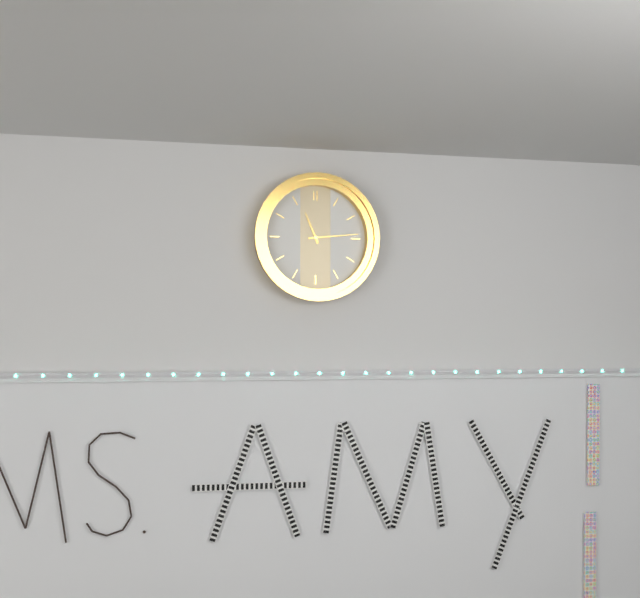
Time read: 11h14
